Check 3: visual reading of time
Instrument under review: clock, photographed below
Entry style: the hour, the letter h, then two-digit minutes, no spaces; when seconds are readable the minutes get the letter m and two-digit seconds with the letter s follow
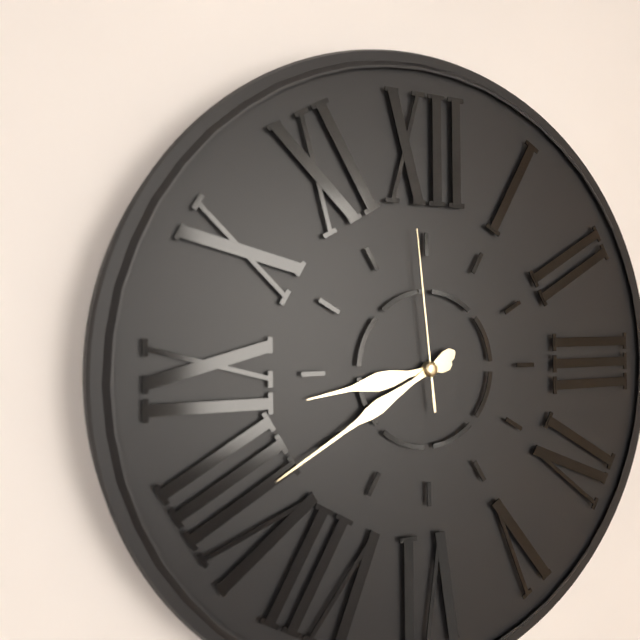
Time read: 8h40m59s
